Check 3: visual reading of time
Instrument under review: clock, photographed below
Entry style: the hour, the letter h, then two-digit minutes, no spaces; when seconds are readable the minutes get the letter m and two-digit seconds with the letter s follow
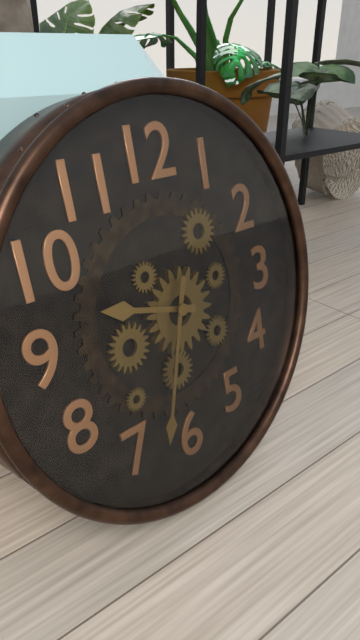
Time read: 9h33
